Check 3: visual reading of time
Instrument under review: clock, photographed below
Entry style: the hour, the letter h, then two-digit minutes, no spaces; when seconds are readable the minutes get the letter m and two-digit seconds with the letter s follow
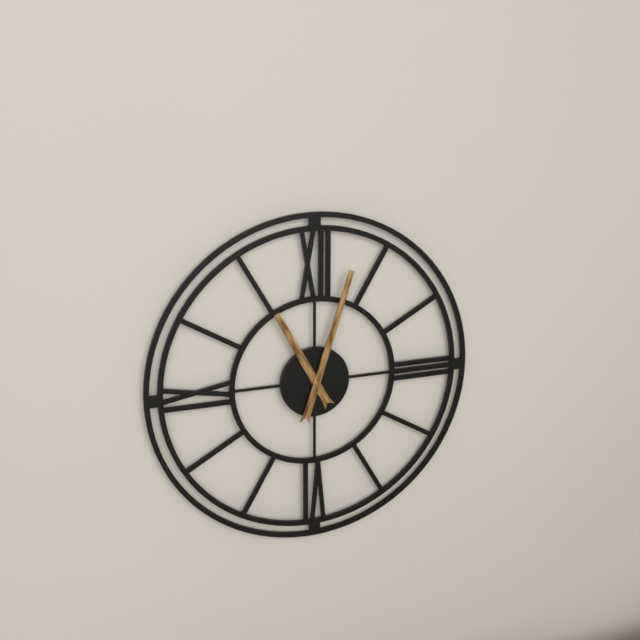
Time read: 11h03
